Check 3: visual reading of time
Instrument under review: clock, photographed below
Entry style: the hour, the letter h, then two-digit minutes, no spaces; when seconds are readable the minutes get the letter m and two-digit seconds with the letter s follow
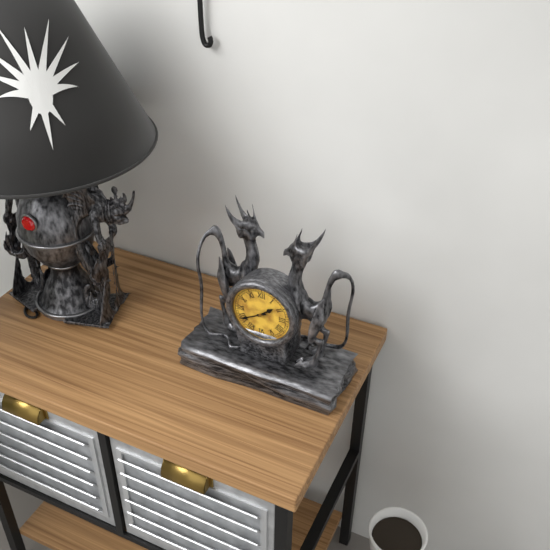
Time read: 1h40
